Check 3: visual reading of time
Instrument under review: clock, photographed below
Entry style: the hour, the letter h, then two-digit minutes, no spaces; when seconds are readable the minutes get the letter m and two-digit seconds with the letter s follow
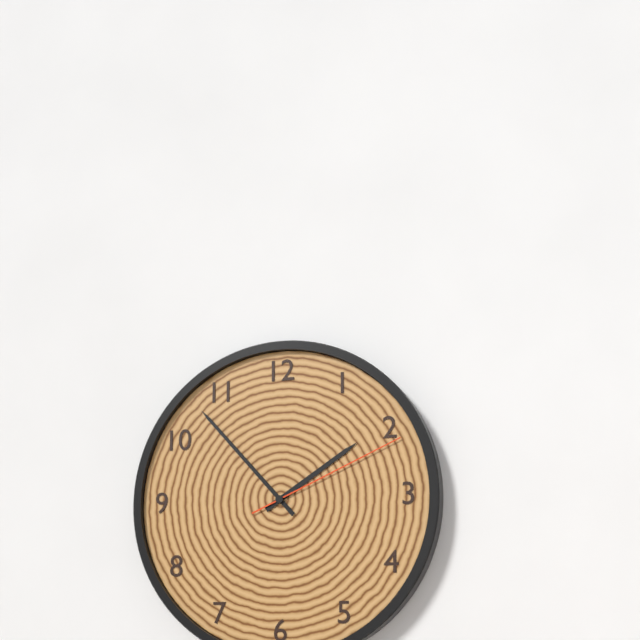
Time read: 1h53m11s
